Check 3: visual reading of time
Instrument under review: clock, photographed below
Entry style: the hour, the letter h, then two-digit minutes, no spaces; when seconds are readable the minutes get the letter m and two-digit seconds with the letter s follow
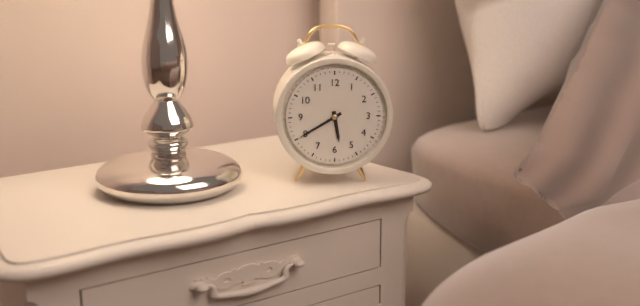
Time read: 5h40
